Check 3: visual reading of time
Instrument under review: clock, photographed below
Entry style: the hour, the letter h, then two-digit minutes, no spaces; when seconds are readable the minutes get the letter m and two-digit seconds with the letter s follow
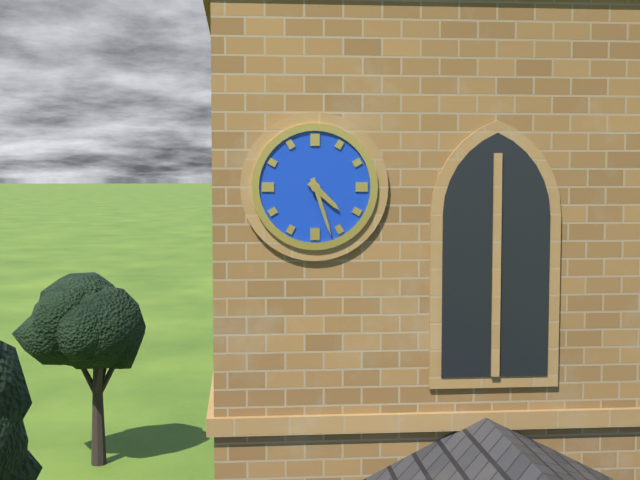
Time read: 4h27
